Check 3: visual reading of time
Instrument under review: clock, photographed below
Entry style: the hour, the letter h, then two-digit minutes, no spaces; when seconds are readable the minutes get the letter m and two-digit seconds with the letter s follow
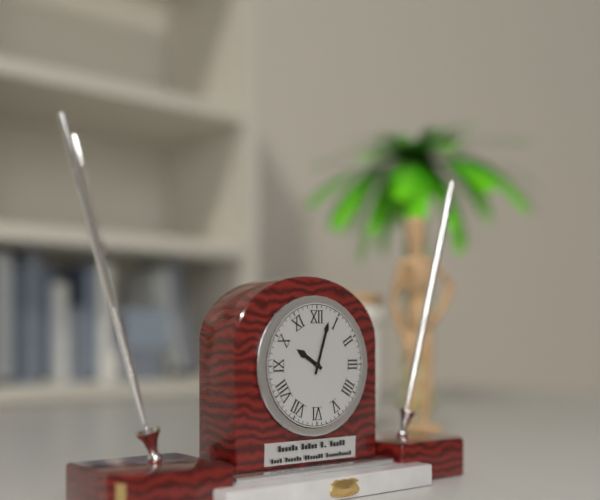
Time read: 10h03
